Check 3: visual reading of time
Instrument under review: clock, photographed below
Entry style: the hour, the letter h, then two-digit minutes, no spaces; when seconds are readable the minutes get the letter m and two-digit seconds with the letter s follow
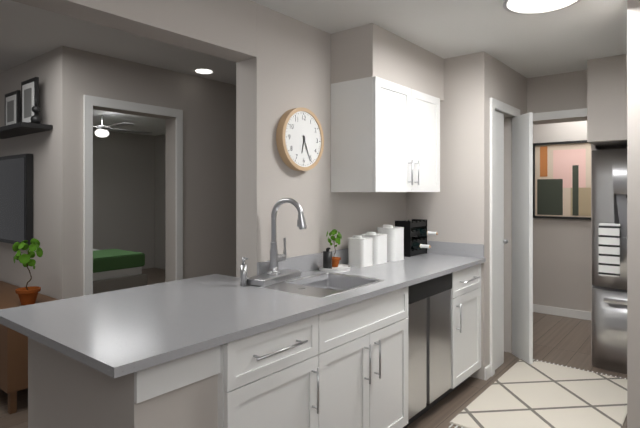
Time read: 6h26
